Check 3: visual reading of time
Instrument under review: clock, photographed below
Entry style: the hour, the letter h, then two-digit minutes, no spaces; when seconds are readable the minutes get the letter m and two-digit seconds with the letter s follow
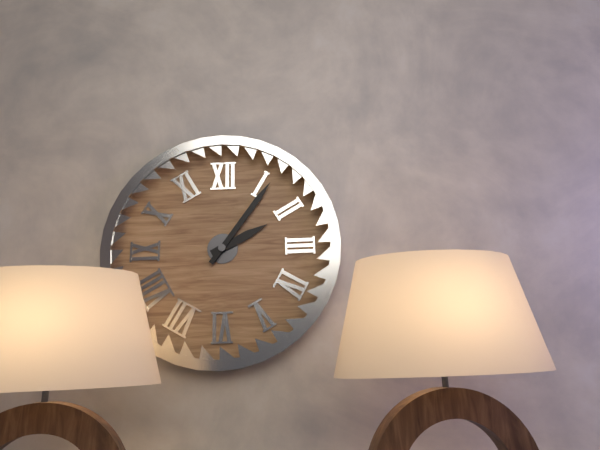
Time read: 2h06
